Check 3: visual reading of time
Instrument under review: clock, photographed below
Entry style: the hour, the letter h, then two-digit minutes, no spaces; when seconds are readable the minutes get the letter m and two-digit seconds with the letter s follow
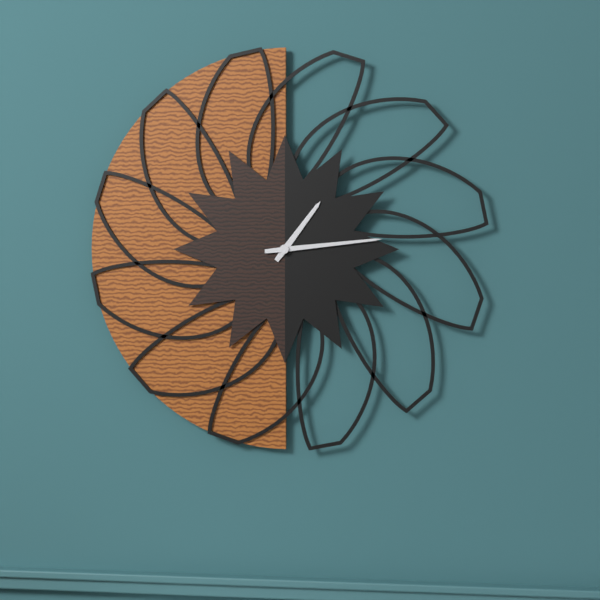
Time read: 1h14
